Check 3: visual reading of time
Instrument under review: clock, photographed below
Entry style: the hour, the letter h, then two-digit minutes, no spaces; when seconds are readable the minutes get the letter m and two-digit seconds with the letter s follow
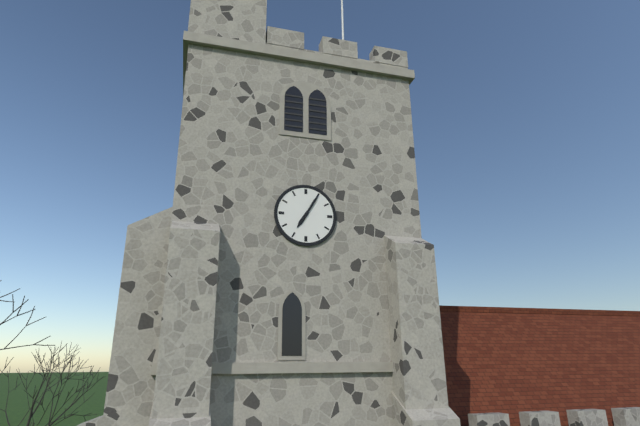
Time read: 7h05
